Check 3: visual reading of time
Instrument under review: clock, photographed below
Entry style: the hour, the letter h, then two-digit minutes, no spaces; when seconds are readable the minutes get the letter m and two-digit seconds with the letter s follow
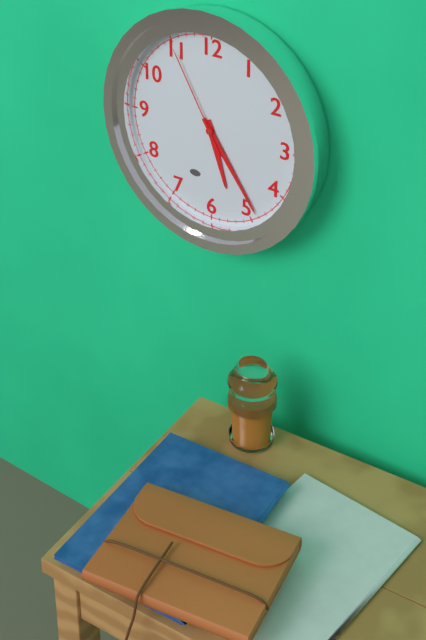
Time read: 5h24m55s
